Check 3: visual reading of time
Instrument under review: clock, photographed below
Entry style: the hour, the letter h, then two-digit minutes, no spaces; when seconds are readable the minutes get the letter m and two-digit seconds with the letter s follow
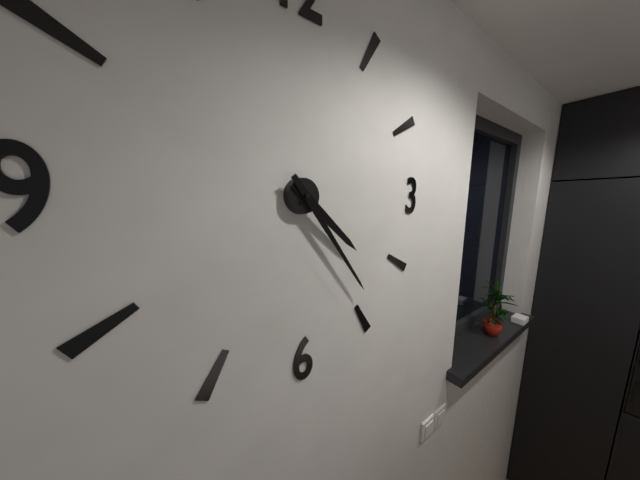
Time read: 4h24
